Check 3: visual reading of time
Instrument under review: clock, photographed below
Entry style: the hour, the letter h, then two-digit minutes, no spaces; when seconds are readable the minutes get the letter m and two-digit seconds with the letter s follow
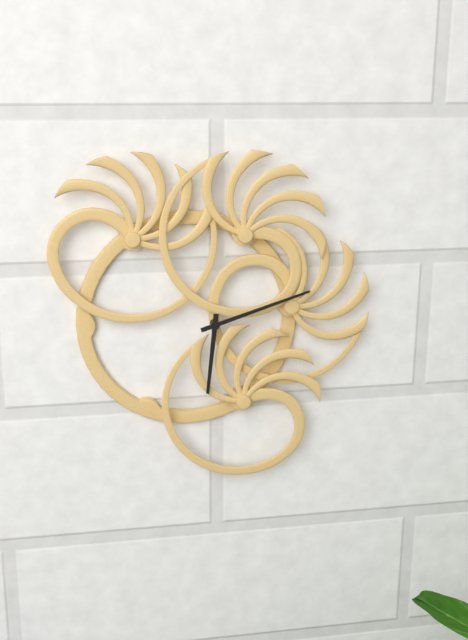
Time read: 6h12
